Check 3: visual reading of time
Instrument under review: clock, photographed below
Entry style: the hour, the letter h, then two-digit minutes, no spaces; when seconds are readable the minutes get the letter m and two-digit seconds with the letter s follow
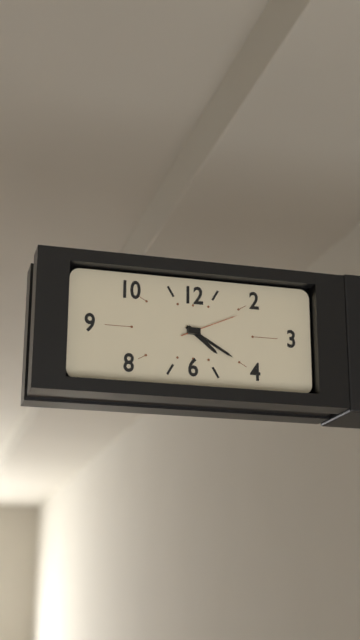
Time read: 4h20m11s
